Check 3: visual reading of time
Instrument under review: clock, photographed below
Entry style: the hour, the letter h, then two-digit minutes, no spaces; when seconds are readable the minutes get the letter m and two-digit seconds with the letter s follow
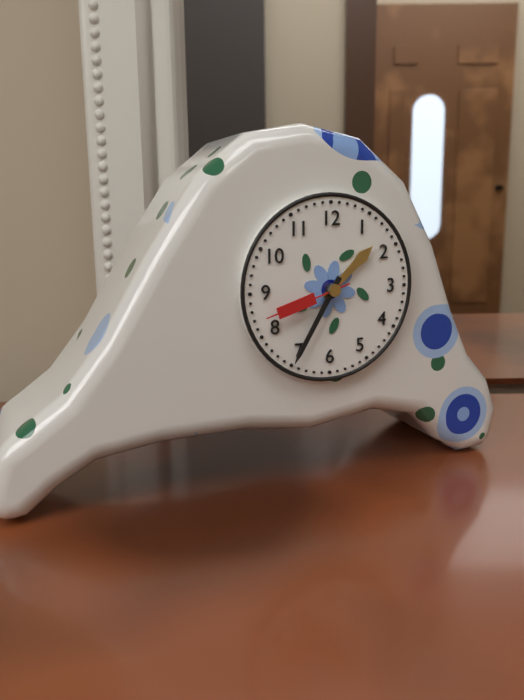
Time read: 1h35m42s
